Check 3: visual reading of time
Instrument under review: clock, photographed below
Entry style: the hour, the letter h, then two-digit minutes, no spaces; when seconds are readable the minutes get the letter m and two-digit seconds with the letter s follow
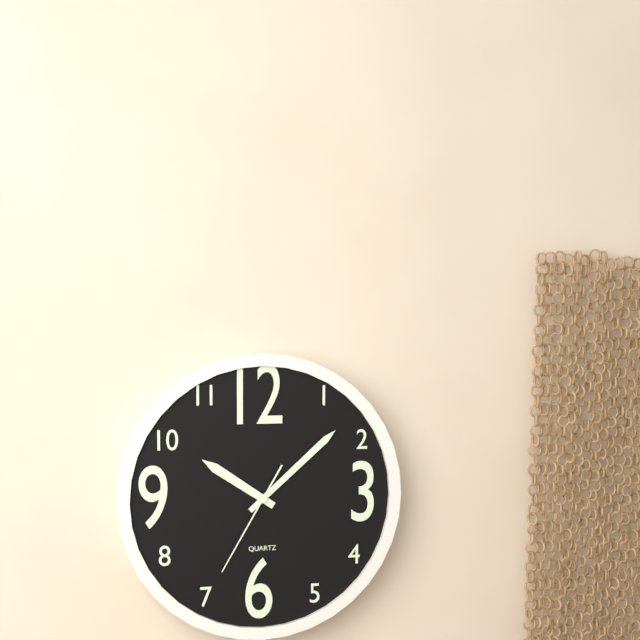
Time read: 10h08m35s
